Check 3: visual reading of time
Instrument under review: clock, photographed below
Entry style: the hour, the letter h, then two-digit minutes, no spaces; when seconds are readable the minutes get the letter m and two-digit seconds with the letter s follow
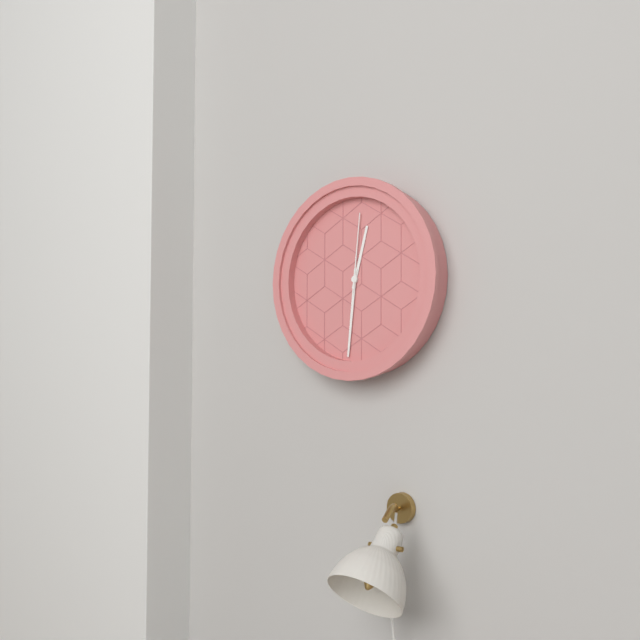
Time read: 12h31m01s
